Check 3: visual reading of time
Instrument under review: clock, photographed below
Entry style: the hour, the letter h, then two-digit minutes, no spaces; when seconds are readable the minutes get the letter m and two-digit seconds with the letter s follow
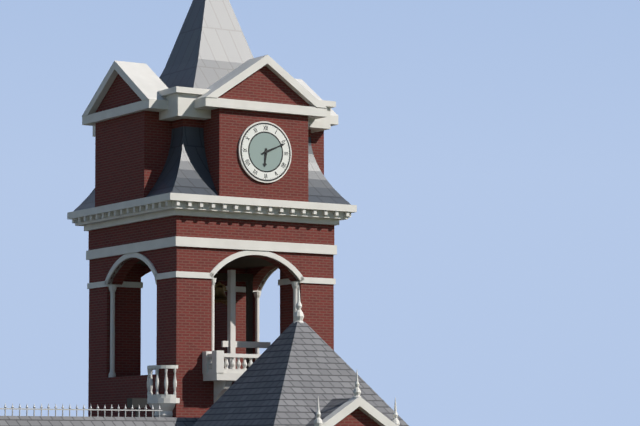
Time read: 6h11
